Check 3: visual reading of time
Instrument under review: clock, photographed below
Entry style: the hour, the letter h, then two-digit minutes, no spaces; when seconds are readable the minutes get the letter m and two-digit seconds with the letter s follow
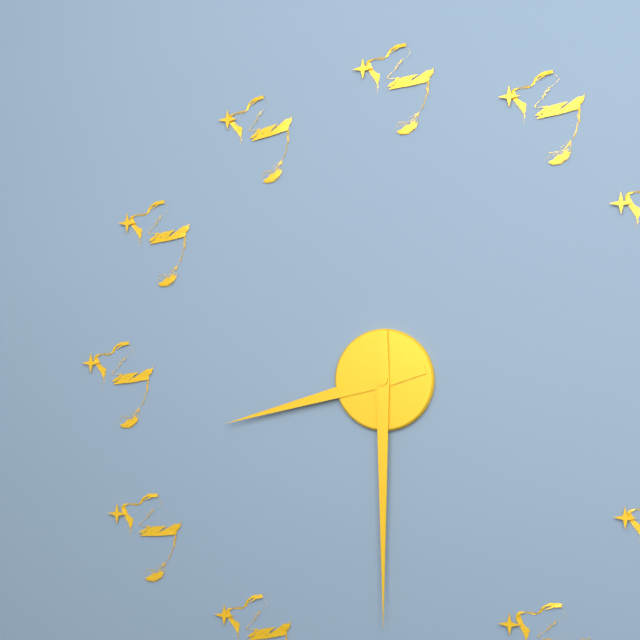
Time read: 8h30
